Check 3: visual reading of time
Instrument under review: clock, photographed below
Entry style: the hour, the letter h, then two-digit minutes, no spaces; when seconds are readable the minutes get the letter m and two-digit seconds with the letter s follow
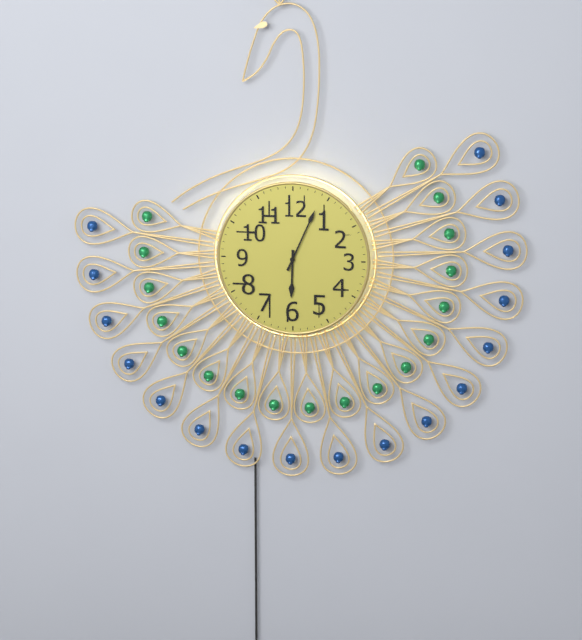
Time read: 6h04
